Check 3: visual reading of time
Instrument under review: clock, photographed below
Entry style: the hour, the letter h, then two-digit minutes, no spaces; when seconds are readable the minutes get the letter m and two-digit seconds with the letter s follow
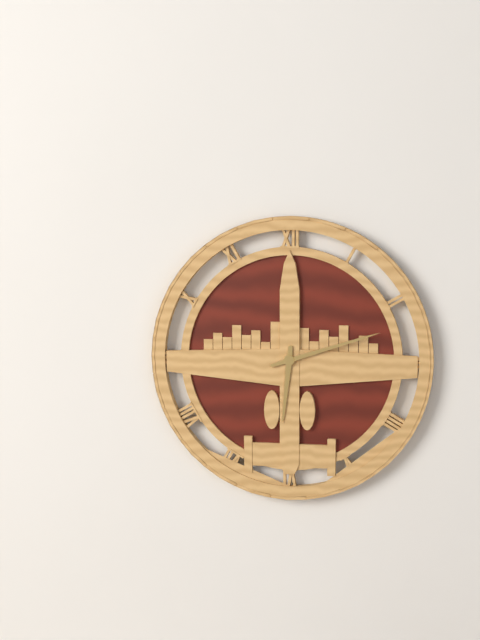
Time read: 6h12
